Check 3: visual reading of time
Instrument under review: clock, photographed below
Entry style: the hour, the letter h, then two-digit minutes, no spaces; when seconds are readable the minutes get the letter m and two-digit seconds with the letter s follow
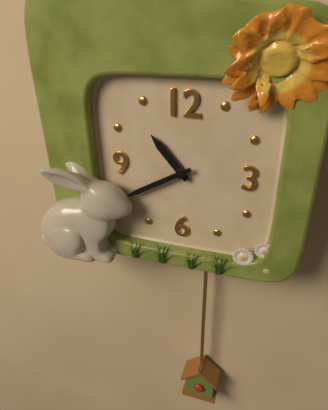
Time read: 10h40
